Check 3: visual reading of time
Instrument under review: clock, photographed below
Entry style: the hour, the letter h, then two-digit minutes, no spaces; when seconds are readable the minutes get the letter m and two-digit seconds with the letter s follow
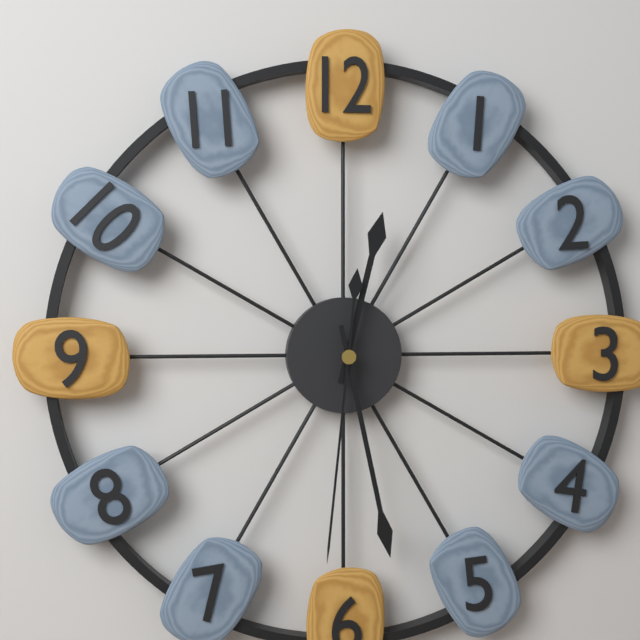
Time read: 12h28m31s
